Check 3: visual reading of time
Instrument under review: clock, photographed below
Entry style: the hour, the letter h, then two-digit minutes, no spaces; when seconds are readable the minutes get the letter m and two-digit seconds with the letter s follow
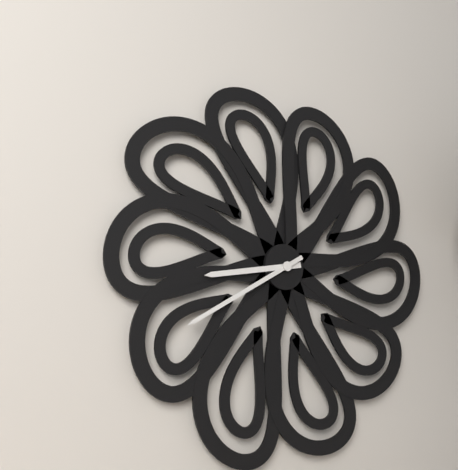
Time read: 8h40
